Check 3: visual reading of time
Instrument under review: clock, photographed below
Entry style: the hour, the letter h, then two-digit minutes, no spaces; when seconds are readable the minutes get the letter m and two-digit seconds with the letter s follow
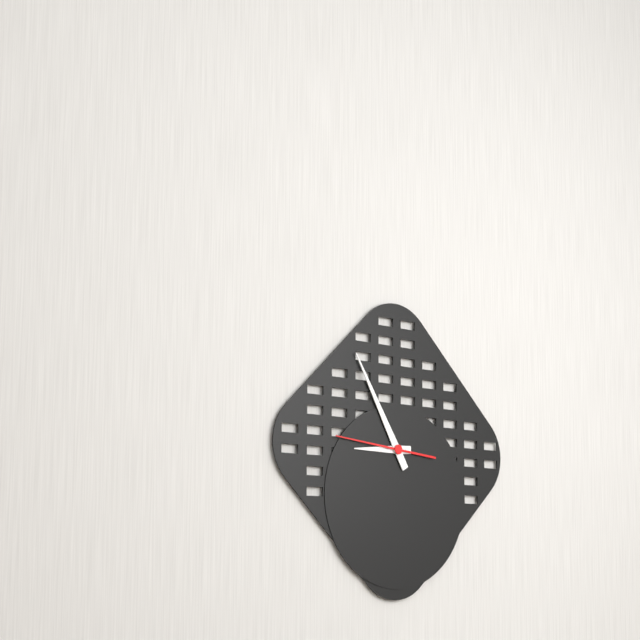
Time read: 8h55m46s
